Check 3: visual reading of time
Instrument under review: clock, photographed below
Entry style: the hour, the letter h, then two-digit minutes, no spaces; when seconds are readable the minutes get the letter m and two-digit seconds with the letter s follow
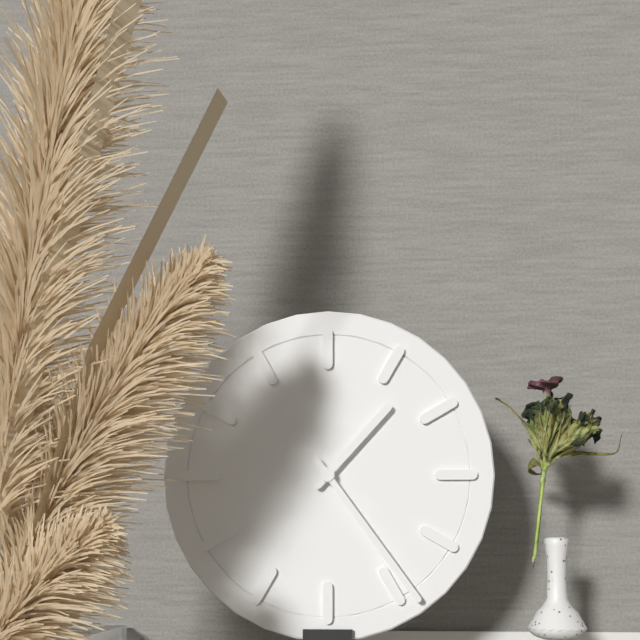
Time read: 1h24
